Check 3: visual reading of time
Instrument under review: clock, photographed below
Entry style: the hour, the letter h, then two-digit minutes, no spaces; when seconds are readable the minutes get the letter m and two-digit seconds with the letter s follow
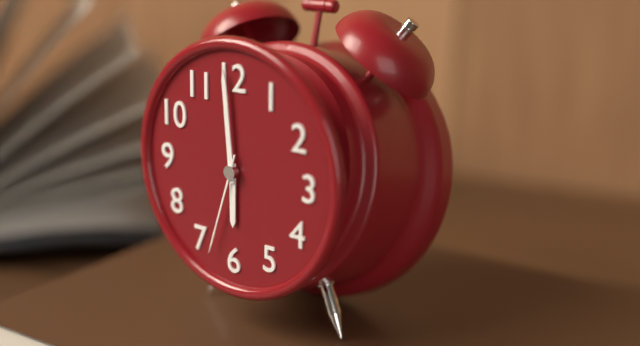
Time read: 5h59m33s
